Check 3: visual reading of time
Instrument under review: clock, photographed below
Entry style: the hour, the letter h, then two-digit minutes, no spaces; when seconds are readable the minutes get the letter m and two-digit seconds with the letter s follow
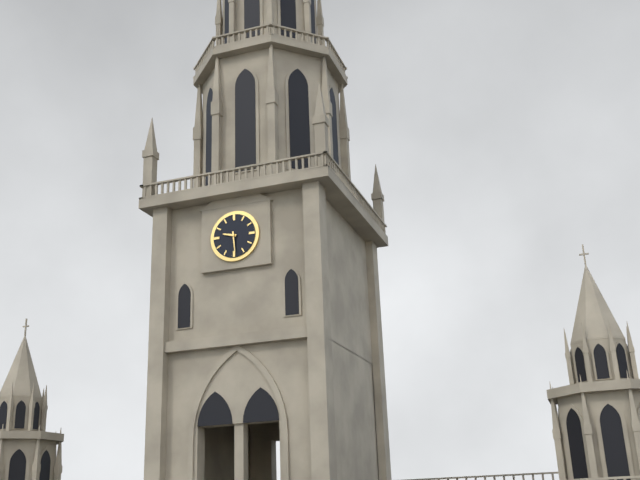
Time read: 9h29
